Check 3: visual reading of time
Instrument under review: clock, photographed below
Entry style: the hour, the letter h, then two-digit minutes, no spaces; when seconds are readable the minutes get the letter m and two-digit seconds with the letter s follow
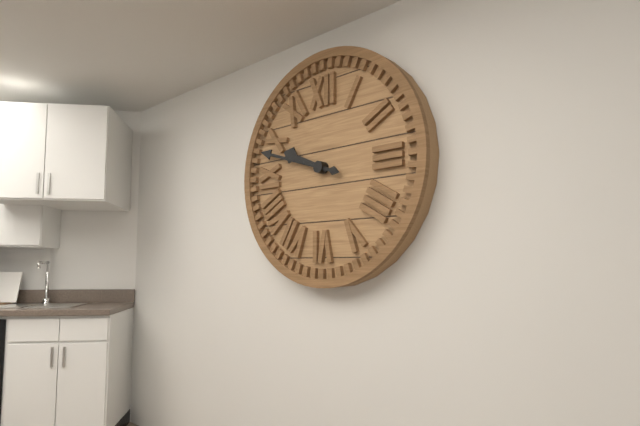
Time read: 9h48
